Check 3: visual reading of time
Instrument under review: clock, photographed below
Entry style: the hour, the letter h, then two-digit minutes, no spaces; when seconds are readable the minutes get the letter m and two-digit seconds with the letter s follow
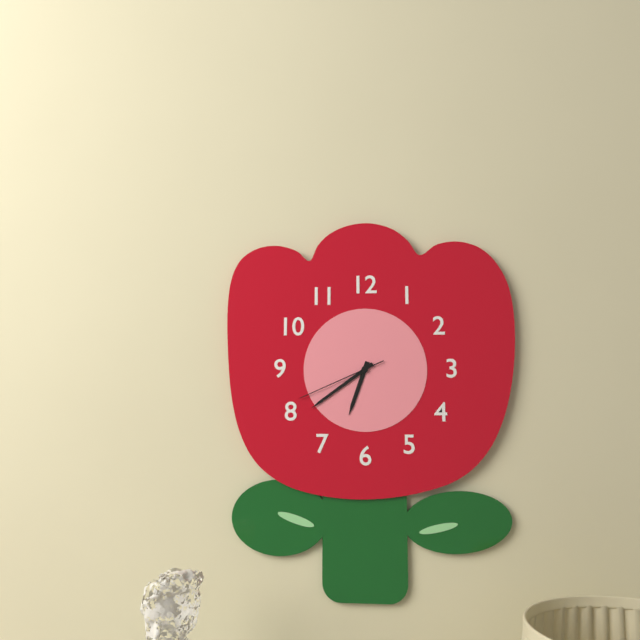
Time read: 6h39m41s
